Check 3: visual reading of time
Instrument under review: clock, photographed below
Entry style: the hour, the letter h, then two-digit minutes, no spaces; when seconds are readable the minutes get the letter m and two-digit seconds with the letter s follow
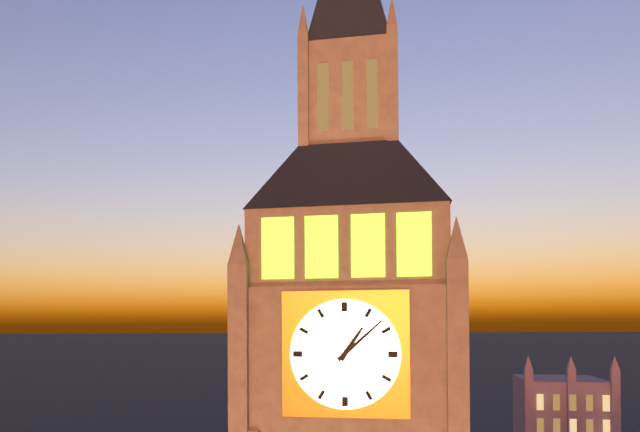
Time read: 1h08
